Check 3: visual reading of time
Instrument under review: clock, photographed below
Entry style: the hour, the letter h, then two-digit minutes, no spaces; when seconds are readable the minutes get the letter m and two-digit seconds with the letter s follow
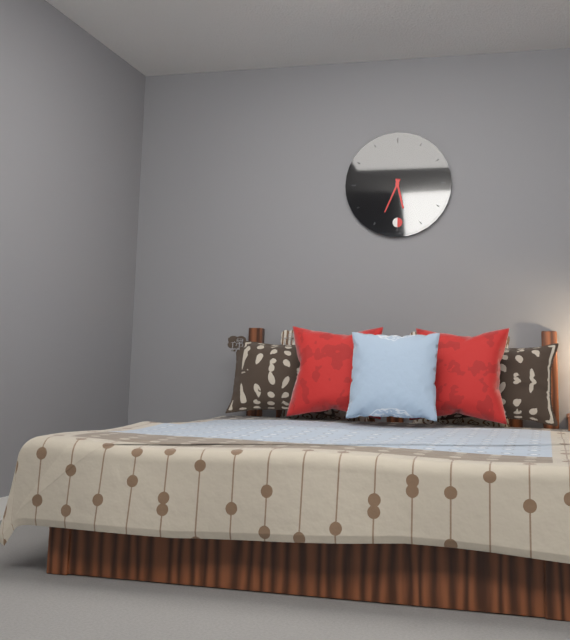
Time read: 5h34
